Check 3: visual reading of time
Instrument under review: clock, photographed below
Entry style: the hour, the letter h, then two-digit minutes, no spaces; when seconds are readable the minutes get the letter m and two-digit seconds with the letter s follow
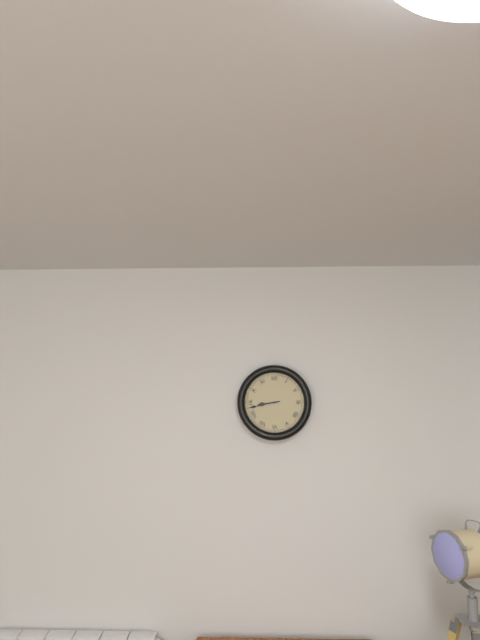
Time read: 8h43
